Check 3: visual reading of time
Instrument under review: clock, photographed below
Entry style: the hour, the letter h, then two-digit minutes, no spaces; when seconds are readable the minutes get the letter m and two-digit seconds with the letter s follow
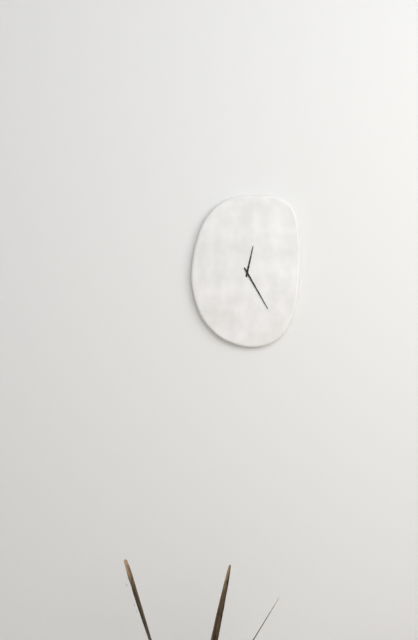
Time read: 12h25
